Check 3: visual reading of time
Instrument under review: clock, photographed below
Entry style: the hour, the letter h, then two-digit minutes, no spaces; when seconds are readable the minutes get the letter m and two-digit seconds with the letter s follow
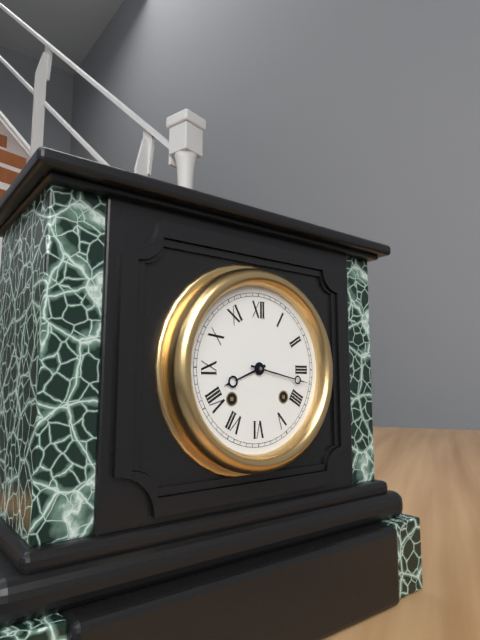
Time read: 8h17
